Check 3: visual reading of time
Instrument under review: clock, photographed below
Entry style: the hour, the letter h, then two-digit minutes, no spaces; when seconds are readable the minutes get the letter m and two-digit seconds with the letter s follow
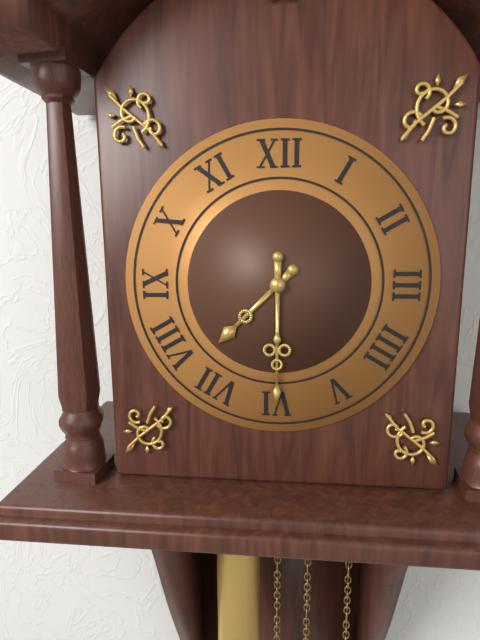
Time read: 7h30
